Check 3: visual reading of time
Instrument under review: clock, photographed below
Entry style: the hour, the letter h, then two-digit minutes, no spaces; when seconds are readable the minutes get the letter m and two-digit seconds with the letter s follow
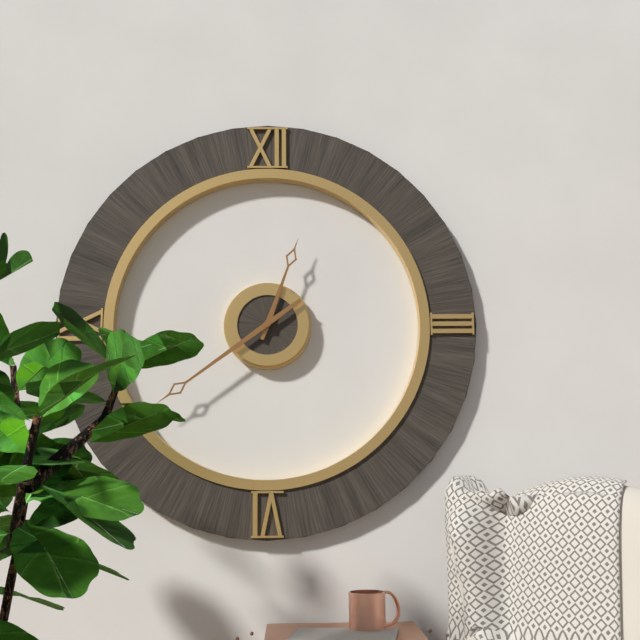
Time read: 12h39
